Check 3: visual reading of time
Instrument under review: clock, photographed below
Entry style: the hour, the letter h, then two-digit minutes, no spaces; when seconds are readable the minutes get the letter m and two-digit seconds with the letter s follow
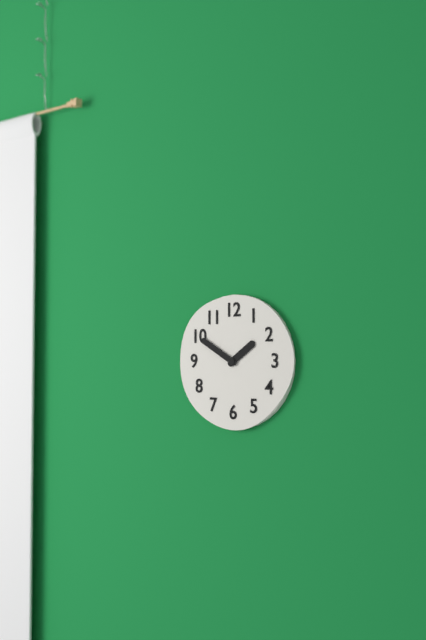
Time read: 1h50
